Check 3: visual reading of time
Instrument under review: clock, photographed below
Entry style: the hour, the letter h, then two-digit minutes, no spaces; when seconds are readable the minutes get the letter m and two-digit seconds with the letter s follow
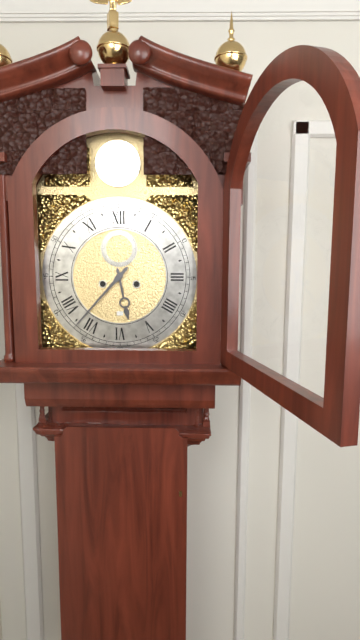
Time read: 5h37
